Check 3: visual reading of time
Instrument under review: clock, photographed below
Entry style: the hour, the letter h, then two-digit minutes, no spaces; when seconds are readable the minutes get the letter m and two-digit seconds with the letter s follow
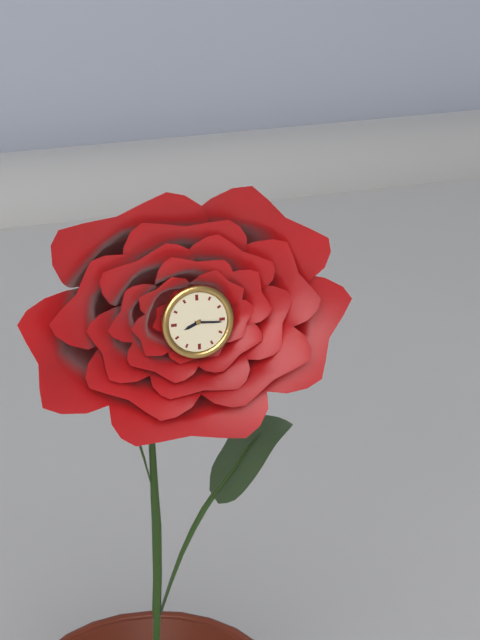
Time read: 8h16
